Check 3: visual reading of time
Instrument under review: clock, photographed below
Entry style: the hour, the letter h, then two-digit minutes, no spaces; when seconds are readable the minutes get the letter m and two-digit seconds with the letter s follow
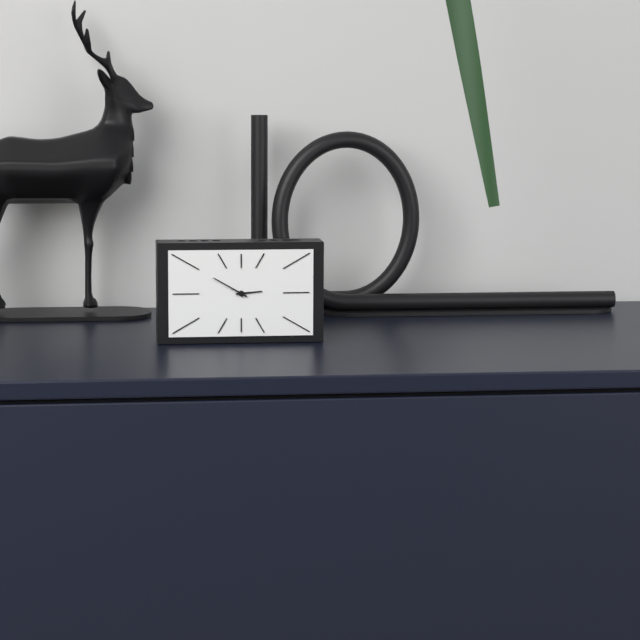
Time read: 2h50
